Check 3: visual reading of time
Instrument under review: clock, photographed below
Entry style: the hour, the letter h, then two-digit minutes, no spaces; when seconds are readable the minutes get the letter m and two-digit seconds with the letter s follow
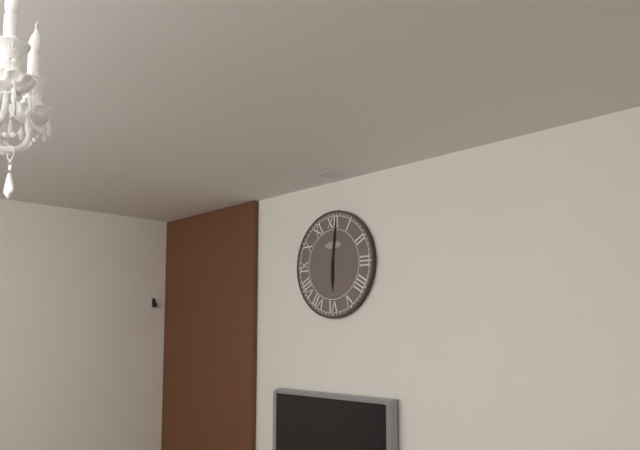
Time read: 6h01
